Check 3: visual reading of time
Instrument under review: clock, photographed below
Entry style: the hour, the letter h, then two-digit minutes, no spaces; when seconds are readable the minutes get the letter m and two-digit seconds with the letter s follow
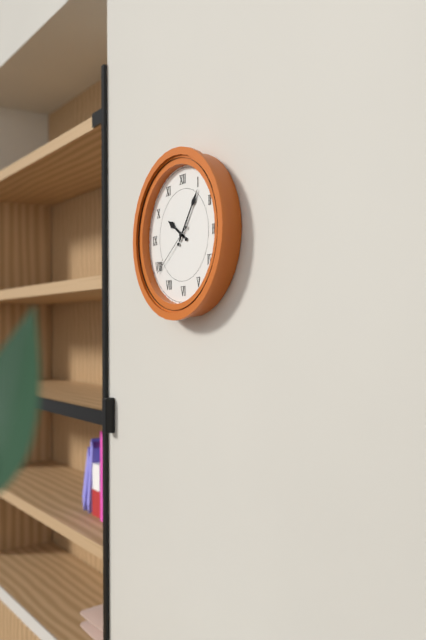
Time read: 10h06m39s
